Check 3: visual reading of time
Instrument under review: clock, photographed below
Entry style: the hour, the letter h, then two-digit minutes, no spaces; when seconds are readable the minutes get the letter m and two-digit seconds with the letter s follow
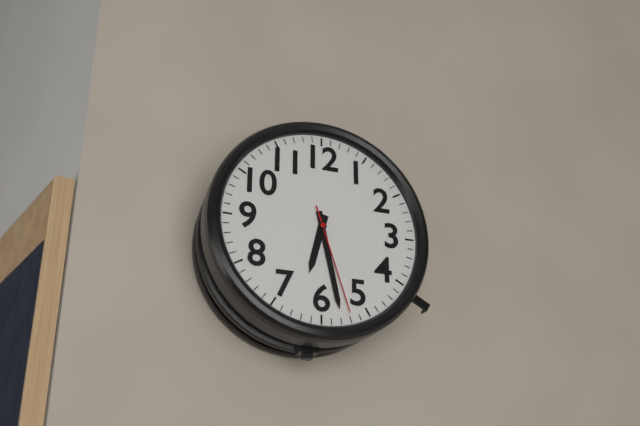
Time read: 6h28m27s
